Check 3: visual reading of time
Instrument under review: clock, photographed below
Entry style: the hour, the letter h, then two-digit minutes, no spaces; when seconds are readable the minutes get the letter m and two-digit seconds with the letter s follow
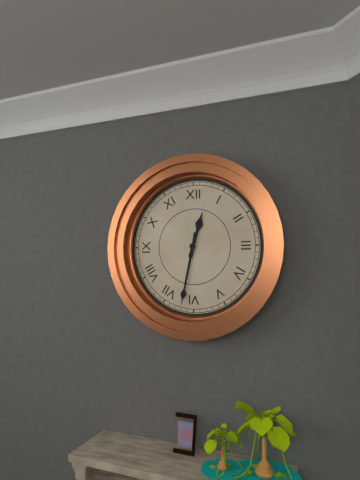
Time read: 12h32
